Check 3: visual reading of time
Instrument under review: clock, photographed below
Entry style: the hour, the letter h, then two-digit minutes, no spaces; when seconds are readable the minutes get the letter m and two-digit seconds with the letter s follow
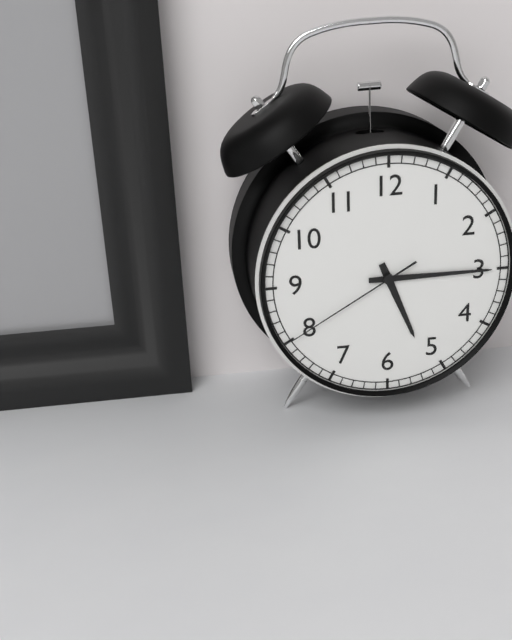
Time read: 5h15m40s
